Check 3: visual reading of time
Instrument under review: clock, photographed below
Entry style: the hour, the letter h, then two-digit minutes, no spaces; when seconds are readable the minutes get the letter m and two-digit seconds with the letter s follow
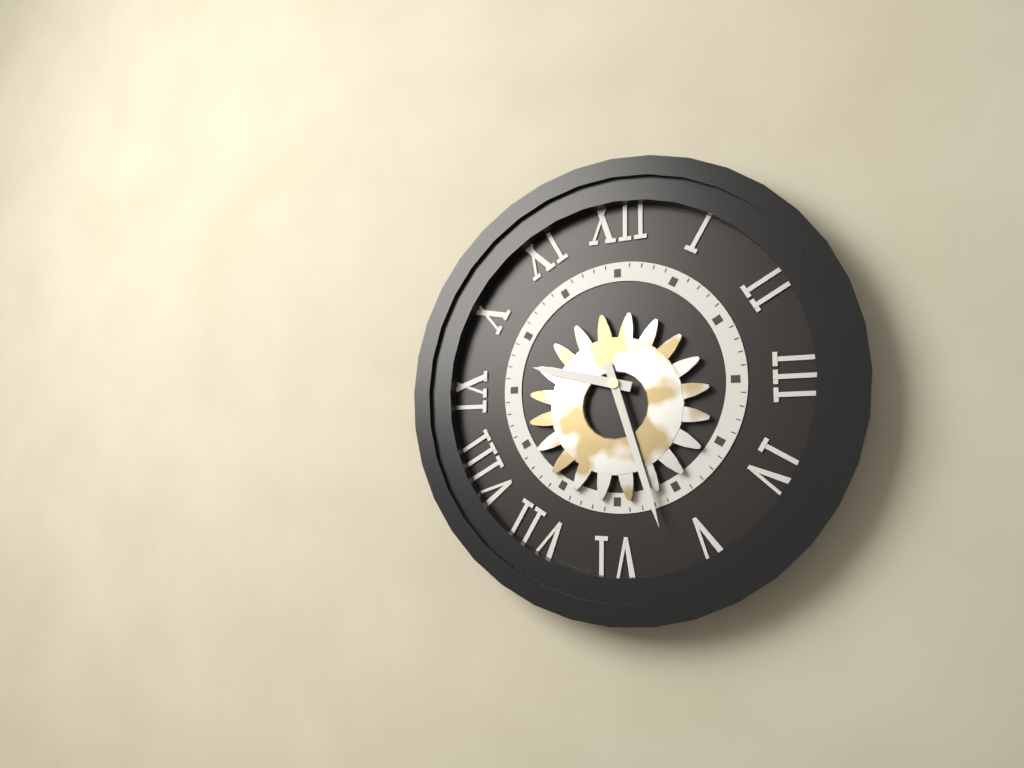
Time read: 9h27
